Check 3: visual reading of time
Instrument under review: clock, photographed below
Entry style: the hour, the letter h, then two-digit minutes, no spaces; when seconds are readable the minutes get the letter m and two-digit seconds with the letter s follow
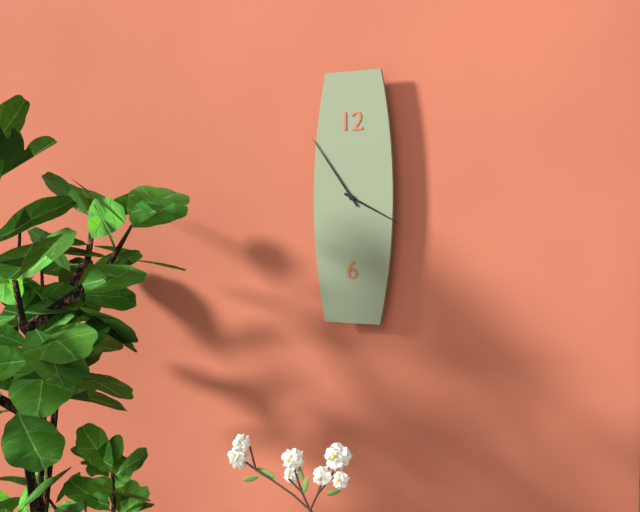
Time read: 3h54
